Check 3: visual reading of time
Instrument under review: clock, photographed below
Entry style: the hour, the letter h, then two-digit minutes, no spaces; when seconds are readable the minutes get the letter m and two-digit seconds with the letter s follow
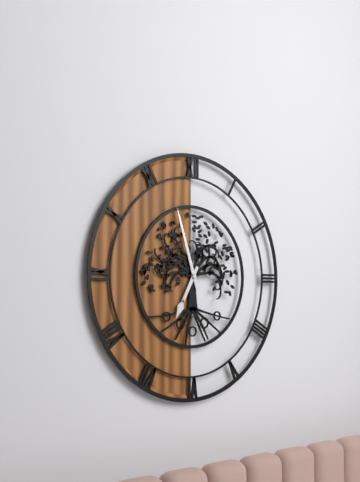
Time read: 6h57
